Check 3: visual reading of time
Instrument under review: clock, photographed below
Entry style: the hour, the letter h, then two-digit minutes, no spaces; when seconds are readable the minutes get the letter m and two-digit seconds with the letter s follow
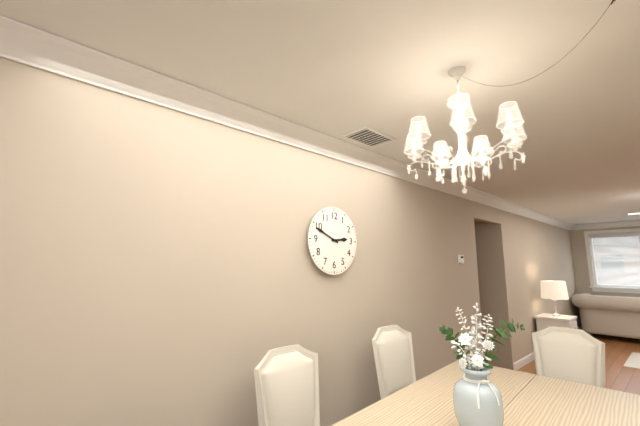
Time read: 2h49
